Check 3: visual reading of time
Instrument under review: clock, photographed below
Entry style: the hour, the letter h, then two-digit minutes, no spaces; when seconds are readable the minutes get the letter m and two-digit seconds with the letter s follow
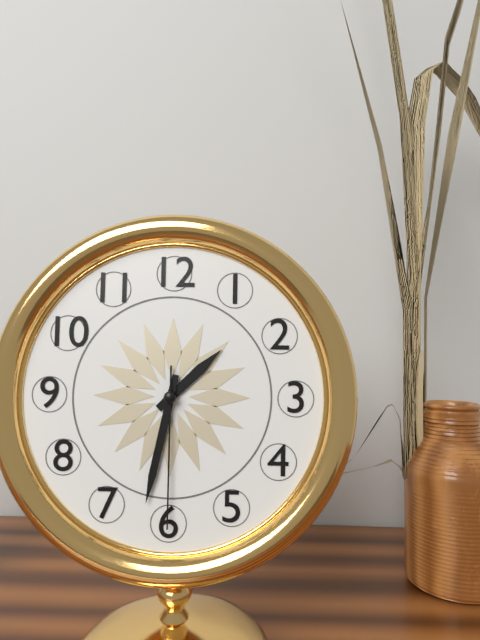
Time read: 1h32m30s
